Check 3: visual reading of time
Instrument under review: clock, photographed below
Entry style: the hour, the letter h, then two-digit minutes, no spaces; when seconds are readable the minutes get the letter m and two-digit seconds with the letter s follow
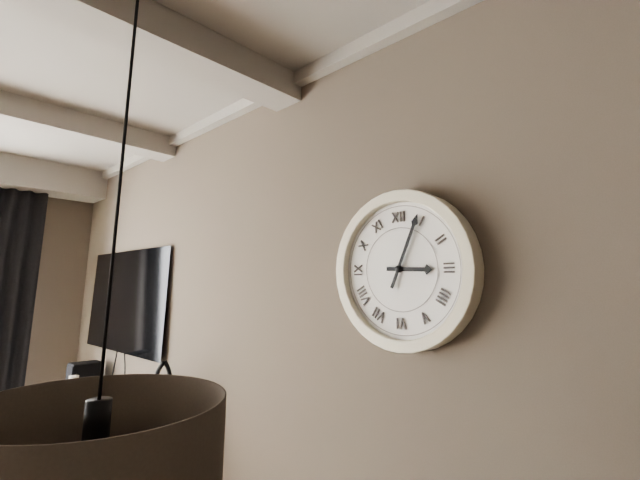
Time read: 3h04
